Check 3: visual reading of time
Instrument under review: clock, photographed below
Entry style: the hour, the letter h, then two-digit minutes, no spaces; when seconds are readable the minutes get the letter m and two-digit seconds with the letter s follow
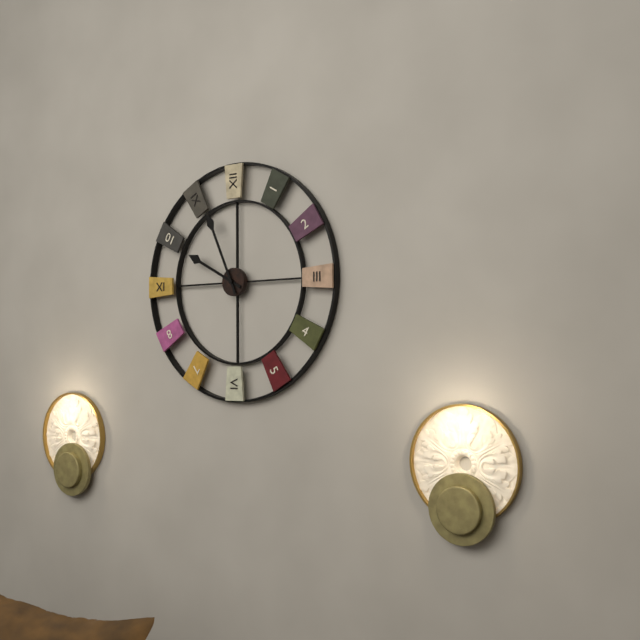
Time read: 9h56
